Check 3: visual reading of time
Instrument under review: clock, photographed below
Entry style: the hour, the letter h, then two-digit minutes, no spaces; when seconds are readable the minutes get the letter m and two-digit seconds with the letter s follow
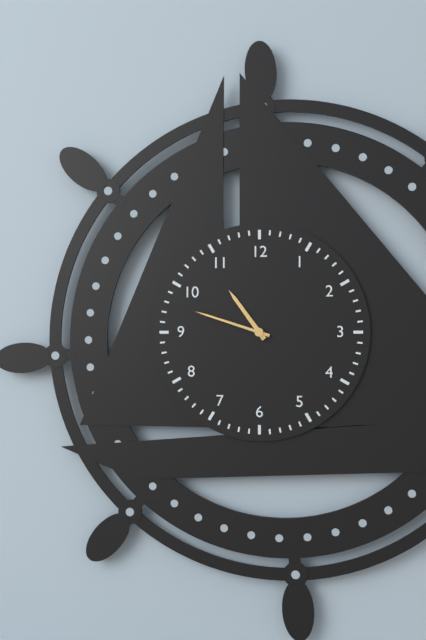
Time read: 10h48
